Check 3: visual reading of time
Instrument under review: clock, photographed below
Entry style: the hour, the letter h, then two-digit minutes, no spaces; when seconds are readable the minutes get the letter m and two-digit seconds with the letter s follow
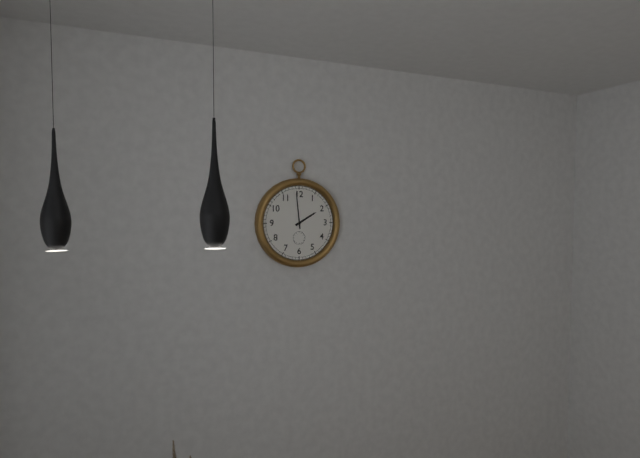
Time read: 1h59
